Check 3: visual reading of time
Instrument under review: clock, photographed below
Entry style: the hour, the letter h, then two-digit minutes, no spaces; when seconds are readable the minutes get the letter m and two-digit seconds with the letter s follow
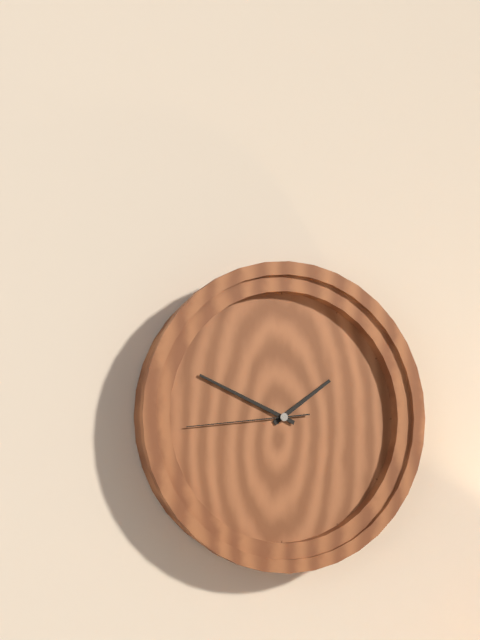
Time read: 1h49m44s
